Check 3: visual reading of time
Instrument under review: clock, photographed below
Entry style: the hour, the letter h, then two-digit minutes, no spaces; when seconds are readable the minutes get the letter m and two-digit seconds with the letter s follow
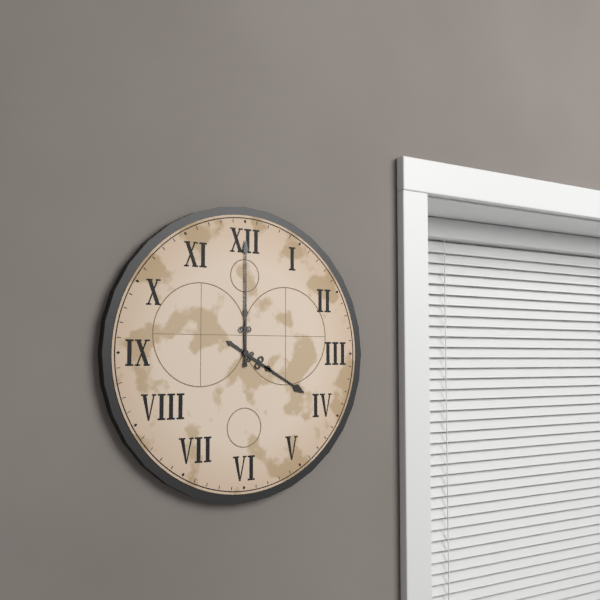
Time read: 4h00
